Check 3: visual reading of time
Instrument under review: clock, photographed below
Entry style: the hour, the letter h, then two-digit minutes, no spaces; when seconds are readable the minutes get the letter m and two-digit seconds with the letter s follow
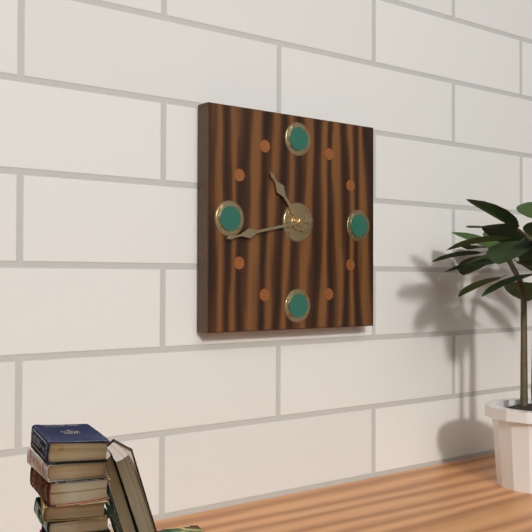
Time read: 10h43
